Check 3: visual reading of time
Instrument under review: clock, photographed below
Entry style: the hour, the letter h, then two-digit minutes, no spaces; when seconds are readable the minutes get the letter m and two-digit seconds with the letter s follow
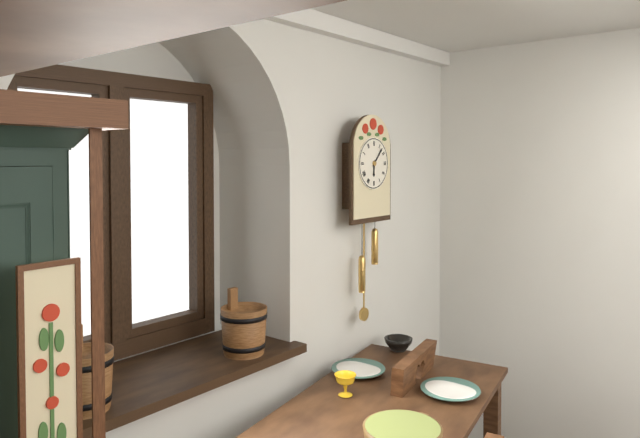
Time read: 6h07
